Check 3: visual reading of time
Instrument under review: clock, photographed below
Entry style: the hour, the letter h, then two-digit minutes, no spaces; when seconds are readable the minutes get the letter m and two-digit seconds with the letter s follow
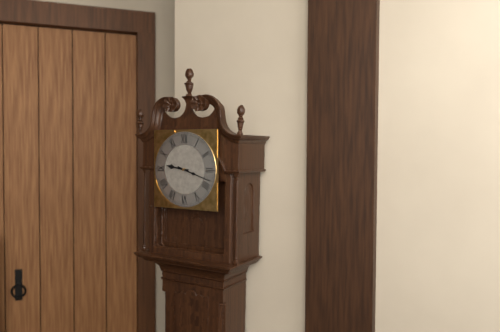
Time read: 9h18
